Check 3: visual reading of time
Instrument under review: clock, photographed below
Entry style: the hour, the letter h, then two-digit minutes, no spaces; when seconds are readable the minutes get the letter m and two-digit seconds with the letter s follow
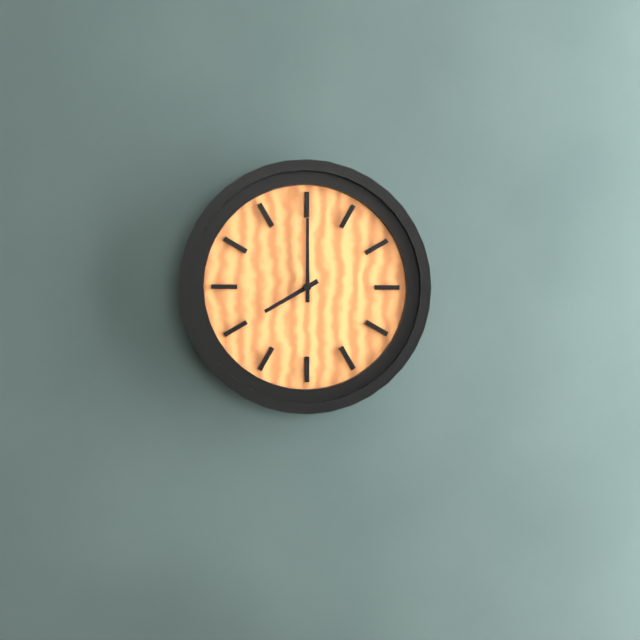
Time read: 8h00
